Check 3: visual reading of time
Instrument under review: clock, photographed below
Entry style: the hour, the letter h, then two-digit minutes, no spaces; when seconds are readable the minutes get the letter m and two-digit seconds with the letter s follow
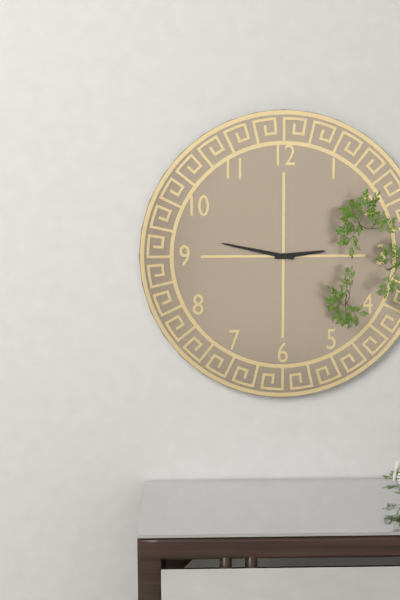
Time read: 2h47
